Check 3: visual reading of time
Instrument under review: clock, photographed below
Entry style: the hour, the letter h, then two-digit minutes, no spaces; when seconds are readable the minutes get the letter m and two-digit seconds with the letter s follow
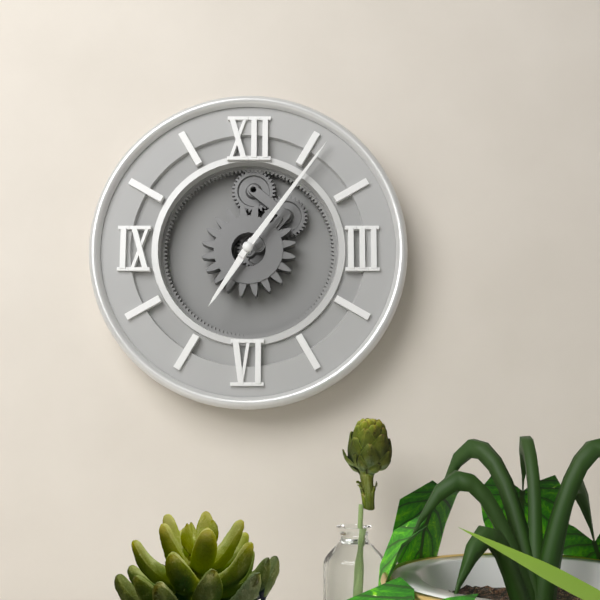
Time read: 7h06
